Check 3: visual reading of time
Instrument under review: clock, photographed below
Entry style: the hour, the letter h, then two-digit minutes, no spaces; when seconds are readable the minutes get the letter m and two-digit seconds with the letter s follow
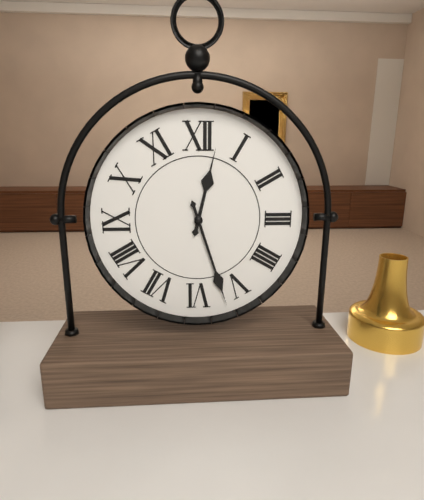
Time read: 12h27
